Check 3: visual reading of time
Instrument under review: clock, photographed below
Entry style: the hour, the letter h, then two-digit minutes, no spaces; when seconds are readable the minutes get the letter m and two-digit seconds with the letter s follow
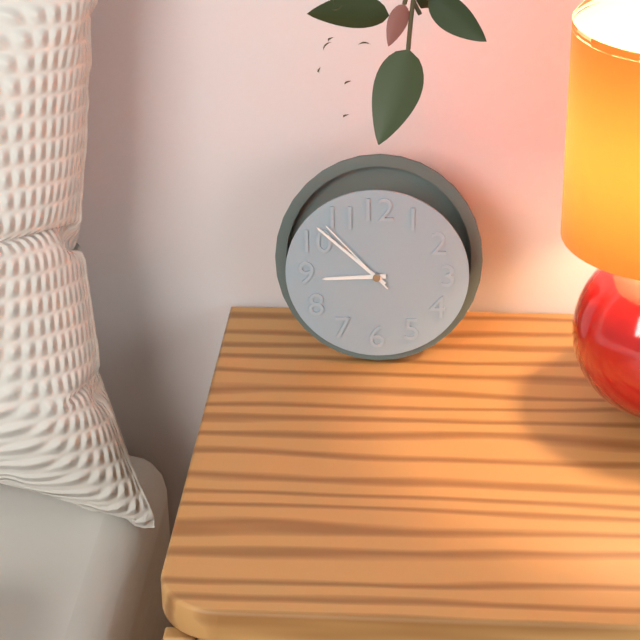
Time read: 8h52m53s
